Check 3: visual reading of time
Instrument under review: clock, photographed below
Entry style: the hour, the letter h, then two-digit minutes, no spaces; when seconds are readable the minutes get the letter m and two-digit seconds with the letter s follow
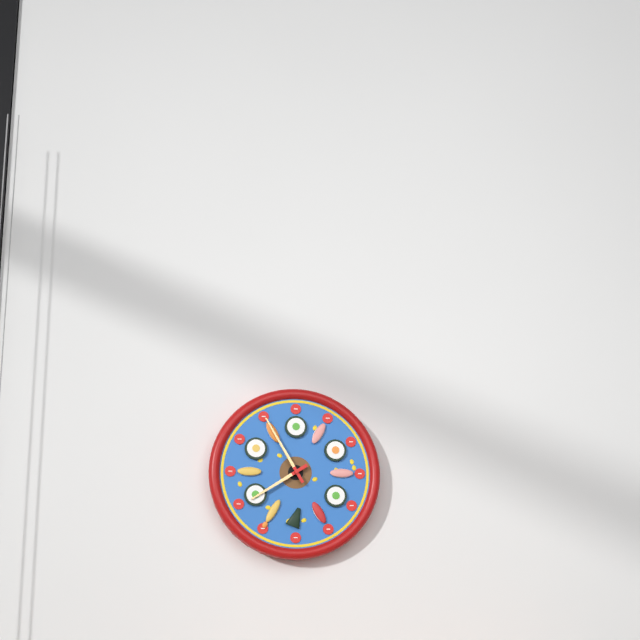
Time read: 7h55
